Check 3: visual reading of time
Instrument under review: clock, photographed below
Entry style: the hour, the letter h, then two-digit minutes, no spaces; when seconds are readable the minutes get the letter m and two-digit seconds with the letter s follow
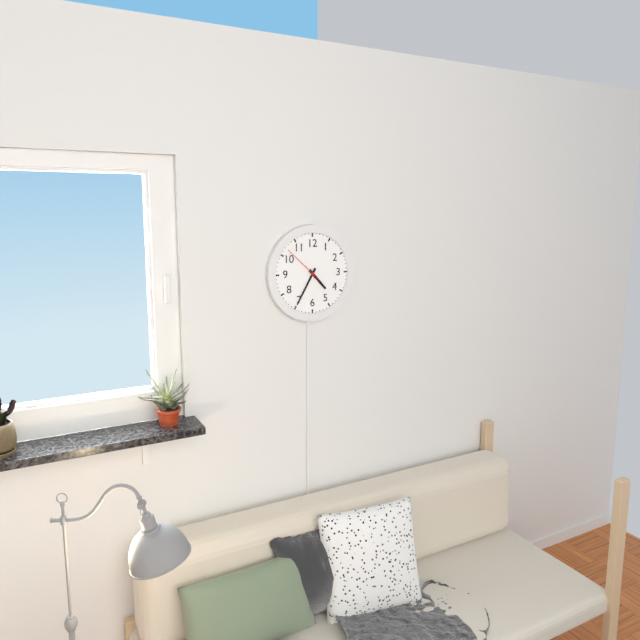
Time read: 4h35
